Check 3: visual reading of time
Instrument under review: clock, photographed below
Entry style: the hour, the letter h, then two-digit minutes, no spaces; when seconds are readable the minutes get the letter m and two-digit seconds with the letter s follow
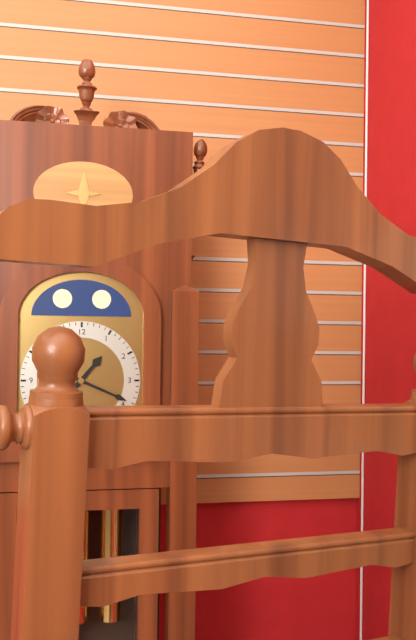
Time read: 1h19
